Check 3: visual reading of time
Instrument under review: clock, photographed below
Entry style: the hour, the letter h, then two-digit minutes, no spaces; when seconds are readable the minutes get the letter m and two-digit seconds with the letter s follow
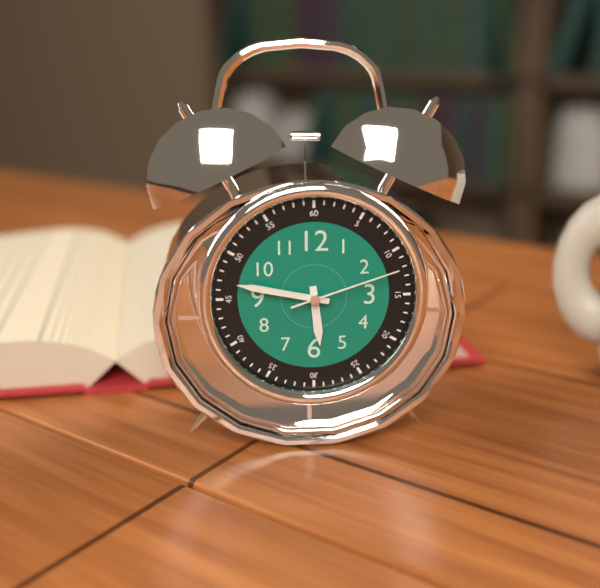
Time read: 5h47m12s
